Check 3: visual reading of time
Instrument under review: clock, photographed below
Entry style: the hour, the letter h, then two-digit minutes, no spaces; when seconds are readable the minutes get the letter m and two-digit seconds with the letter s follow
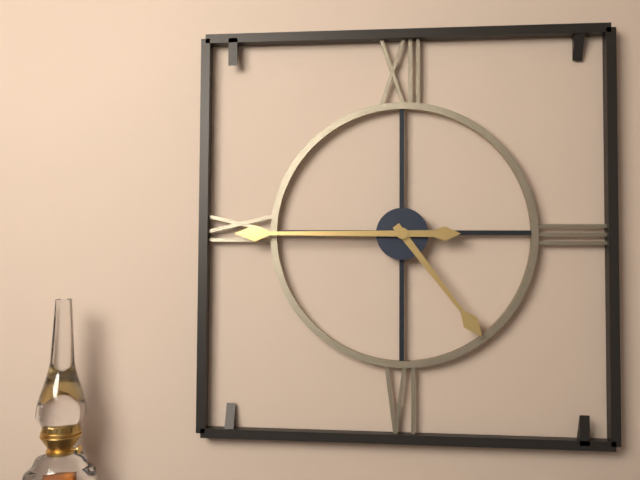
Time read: 4h45
